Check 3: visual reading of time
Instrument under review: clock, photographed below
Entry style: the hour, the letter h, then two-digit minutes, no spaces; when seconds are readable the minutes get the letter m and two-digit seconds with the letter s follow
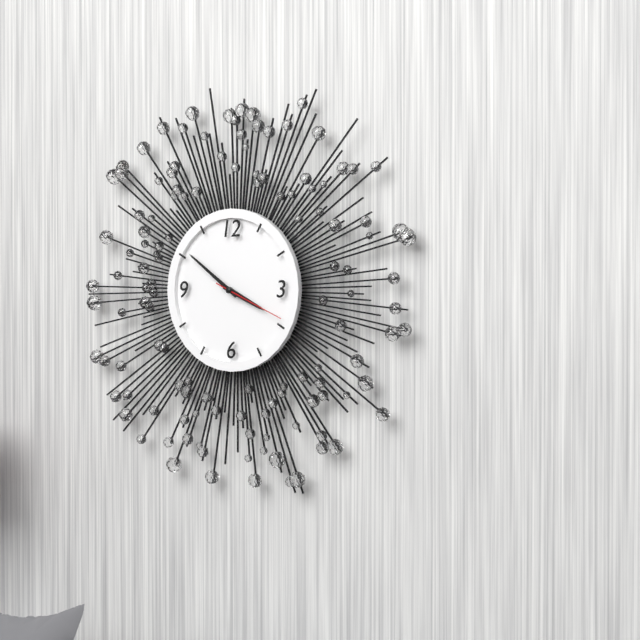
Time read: 3h51m19s
